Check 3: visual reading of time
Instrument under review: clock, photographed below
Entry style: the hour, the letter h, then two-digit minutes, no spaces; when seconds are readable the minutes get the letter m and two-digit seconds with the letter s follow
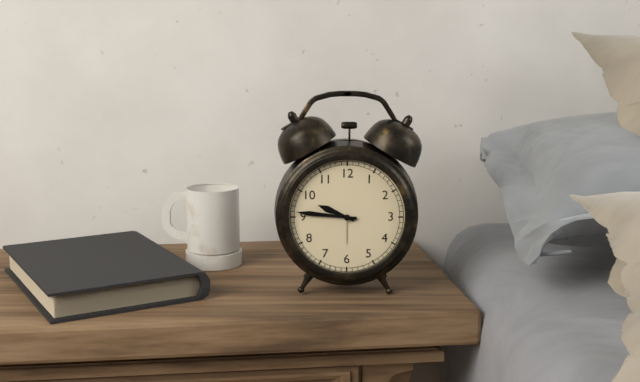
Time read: 9h46
